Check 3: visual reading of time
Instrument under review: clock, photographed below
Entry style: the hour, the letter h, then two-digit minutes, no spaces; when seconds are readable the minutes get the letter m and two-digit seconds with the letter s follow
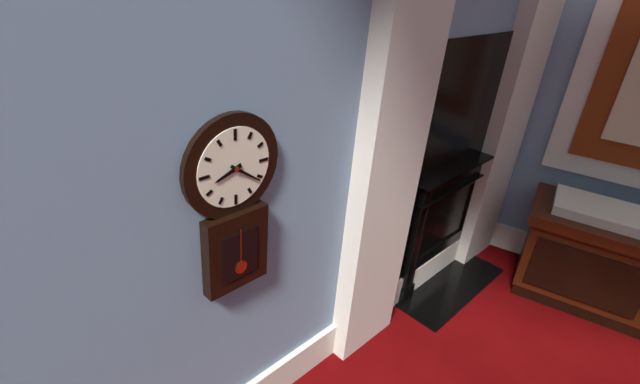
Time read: 8h21
